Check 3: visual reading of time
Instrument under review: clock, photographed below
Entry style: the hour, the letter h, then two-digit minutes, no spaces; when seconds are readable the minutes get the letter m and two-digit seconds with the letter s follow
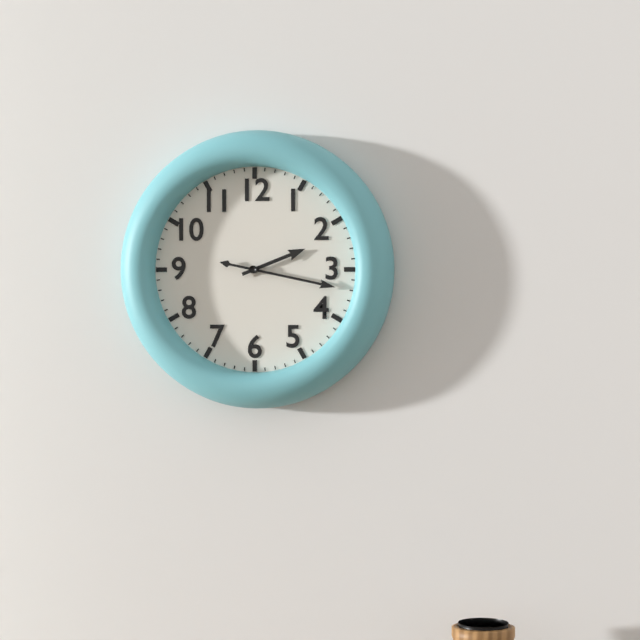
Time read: 2h17
